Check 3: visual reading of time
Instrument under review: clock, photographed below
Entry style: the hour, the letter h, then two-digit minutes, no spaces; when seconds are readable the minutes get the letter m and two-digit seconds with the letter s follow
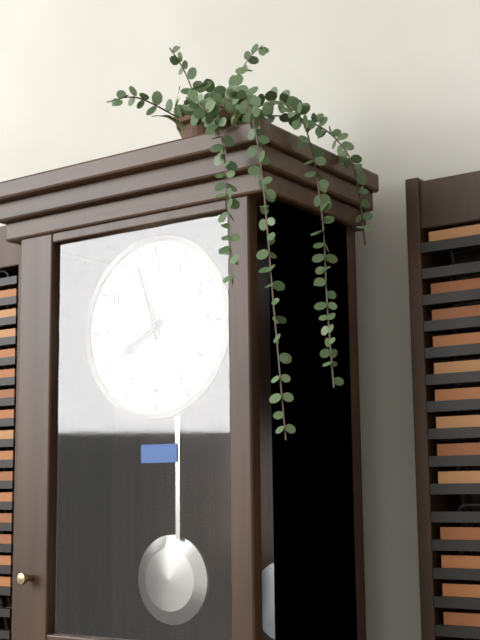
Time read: 7h57
